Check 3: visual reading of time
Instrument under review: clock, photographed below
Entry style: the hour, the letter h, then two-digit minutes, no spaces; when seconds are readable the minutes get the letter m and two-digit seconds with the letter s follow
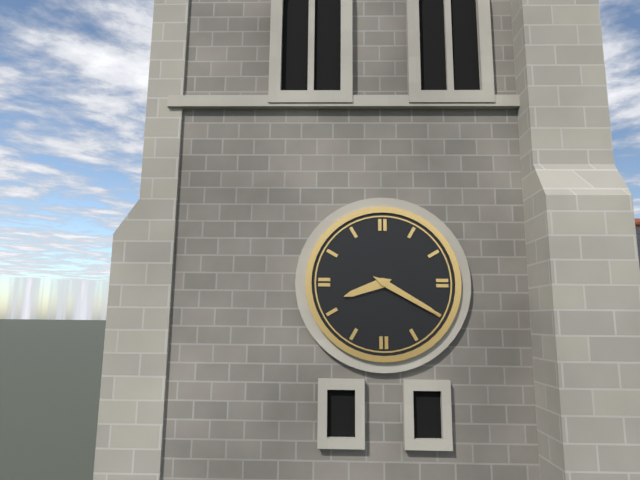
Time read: 8h20
